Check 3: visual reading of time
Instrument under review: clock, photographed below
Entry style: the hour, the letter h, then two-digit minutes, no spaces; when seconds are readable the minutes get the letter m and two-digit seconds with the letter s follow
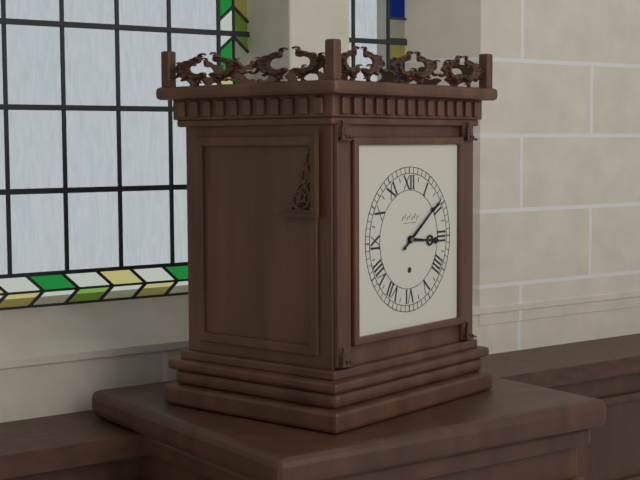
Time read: 3h09
